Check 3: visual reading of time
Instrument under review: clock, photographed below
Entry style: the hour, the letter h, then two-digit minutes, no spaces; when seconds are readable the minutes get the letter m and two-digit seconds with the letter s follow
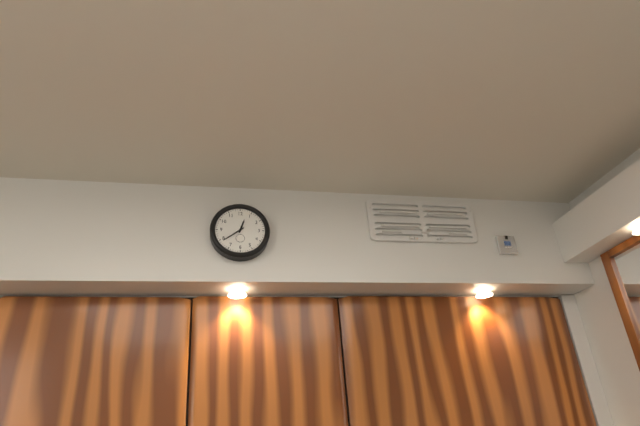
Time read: 12h39
